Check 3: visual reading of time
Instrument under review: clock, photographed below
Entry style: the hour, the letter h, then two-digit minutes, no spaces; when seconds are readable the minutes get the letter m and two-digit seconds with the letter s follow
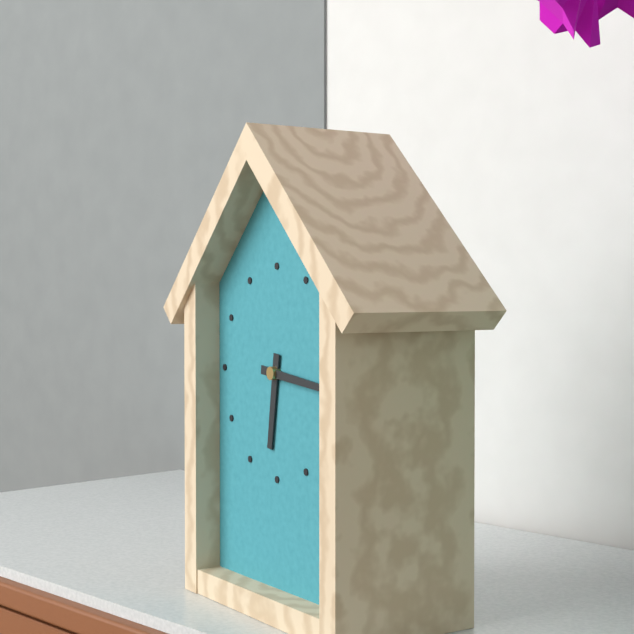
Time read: 6h16
